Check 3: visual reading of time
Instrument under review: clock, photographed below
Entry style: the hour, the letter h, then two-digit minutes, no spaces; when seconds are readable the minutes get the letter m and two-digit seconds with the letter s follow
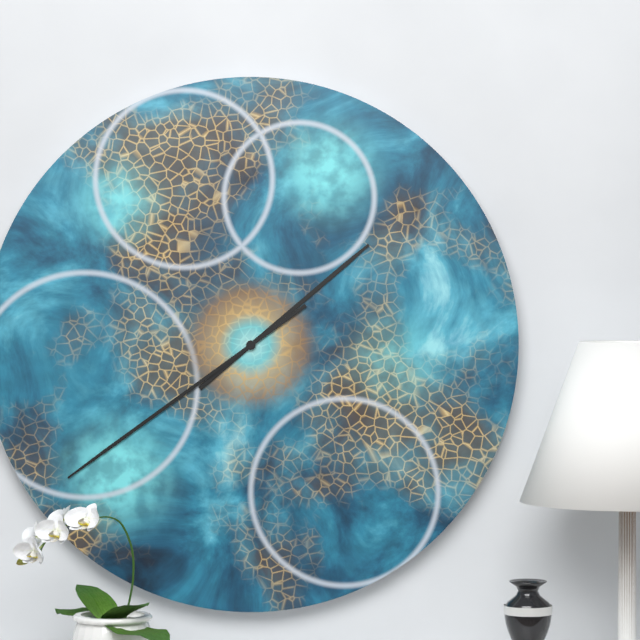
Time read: 1h39
